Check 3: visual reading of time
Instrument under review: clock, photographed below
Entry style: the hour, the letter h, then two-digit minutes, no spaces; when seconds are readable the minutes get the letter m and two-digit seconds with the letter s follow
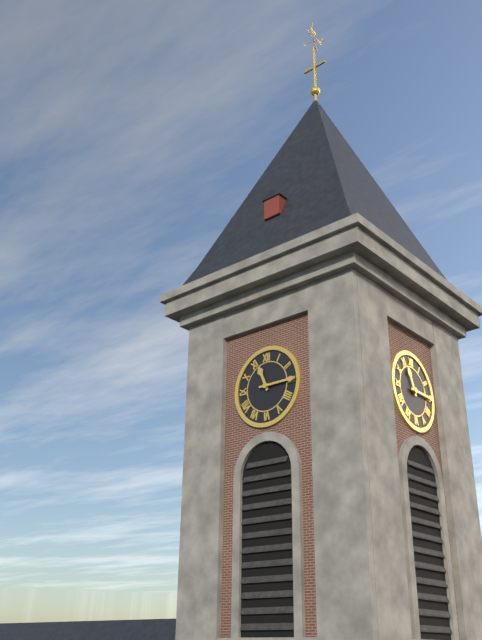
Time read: 11h15
